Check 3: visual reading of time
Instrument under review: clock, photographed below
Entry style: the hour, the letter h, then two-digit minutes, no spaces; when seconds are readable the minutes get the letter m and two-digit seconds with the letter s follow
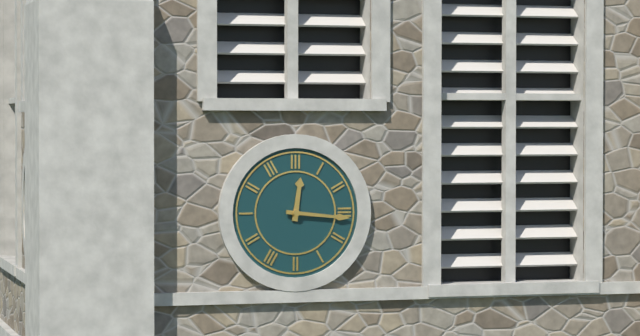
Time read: 12h16
